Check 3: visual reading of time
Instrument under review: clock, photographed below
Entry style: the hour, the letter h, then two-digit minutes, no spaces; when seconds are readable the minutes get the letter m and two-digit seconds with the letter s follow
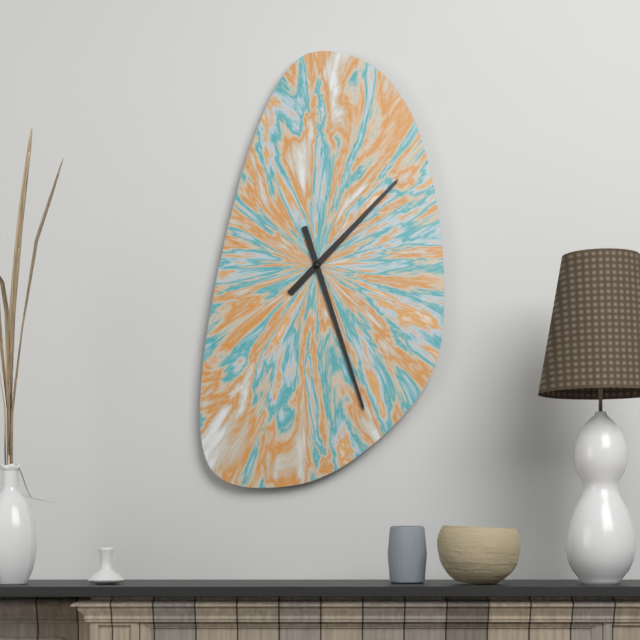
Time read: 1h27
